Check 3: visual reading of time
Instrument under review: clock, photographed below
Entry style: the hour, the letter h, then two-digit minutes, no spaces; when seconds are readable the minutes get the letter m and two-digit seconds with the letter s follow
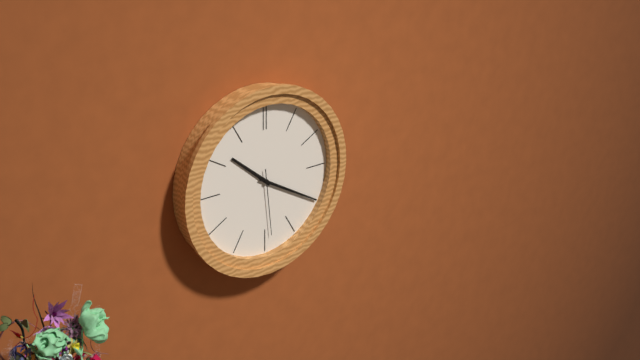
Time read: 10h20m29s
